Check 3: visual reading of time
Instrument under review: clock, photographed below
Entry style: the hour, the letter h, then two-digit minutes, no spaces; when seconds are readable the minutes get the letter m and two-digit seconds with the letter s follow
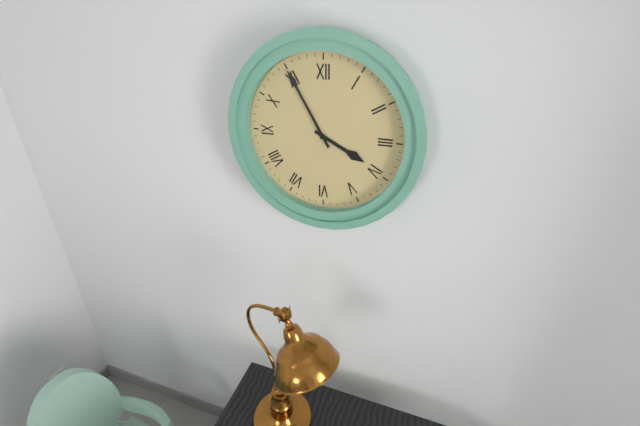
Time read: 3h55
